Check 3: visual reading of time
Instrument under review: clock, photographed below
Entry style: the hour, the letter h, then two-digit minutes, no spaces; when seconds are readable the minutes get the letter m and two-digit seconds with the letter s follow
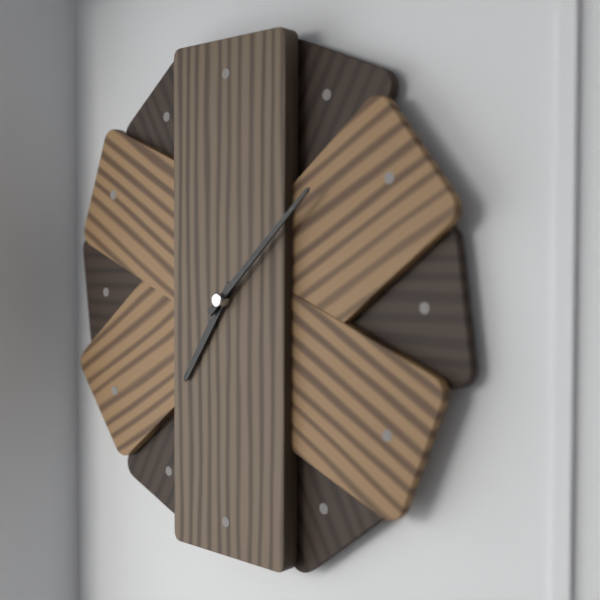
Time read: 7h08
